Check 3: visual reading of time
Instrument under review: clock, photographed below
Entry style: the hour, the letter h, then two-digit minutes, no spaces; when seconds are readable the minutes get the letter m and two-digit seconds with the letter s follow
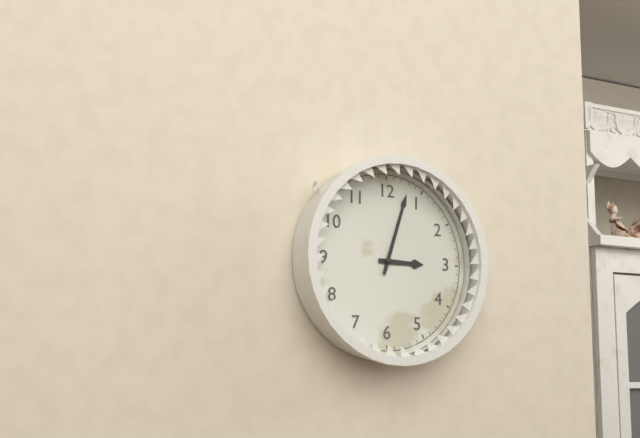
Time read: 3h03
